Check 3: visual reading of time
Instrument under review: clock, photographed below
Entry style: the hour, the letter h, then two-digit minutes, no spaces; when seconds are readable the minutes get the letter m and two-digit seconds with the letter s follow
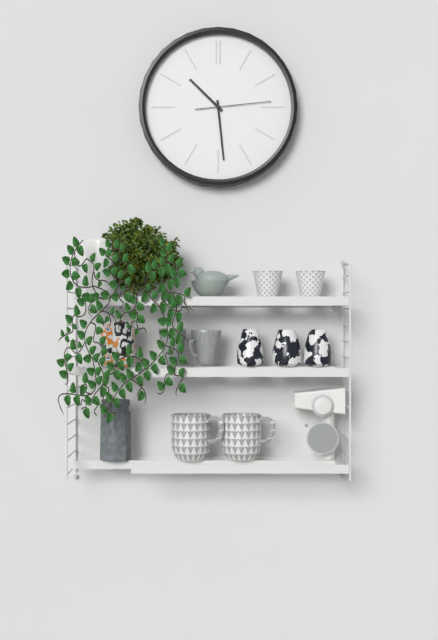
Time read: 10h29m14s
